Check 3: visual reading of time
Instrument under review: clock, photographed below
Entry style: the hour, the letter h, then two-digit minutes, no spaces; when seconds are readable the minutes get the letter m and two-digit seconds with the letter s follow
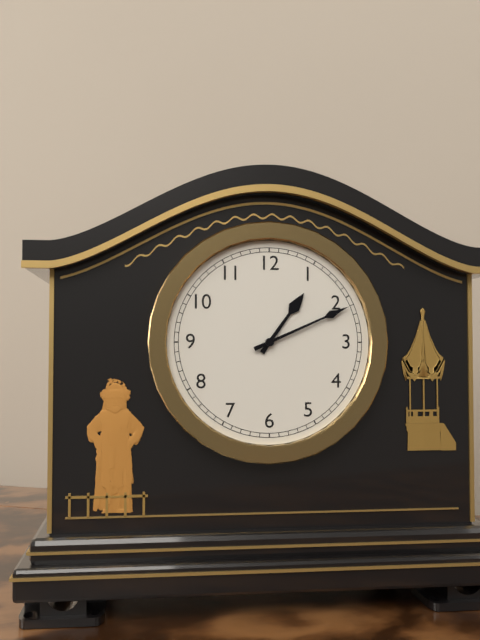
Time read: 1h11
